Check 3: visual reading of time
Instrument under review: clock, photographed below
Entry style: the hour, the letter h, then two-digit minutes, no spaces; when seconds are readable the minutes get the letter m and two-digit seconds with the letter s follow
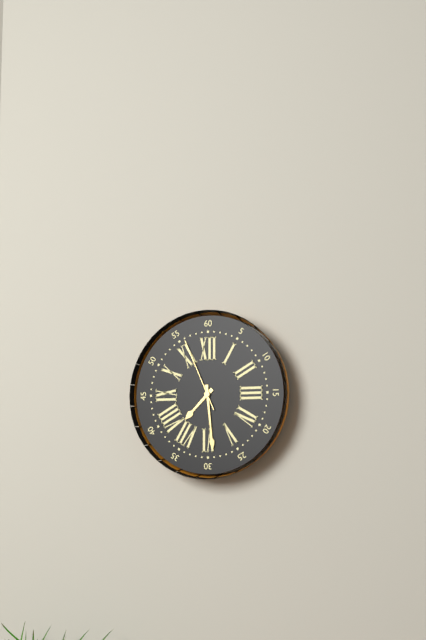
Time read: 7h29m56s
